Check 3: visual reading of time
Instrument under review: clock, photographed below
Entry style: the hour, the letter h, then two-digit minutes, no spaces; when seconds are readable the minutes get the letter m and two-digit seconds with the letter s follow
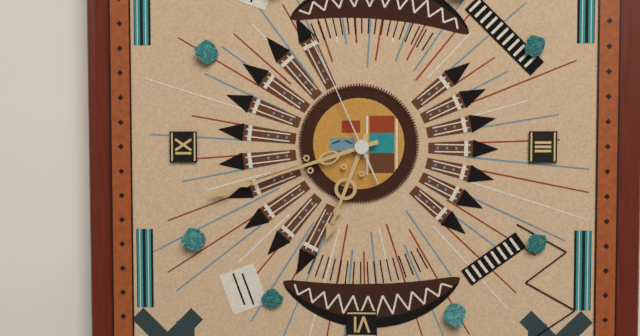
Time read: 6h42m56s
